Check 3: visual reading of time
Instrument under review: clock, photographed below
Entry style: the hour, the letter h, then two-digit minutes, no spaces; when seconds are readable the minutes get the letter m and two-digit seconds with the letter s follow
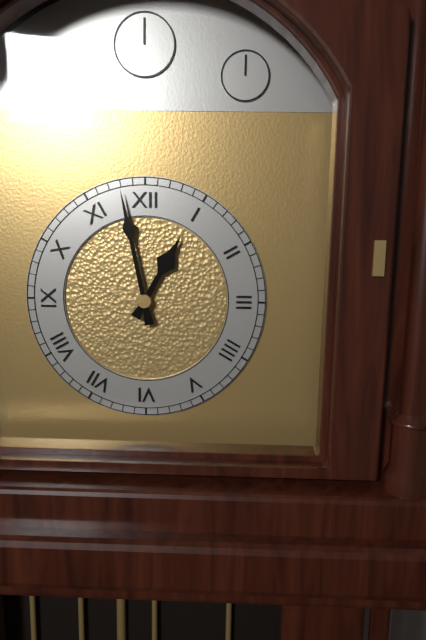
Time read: 12h58
